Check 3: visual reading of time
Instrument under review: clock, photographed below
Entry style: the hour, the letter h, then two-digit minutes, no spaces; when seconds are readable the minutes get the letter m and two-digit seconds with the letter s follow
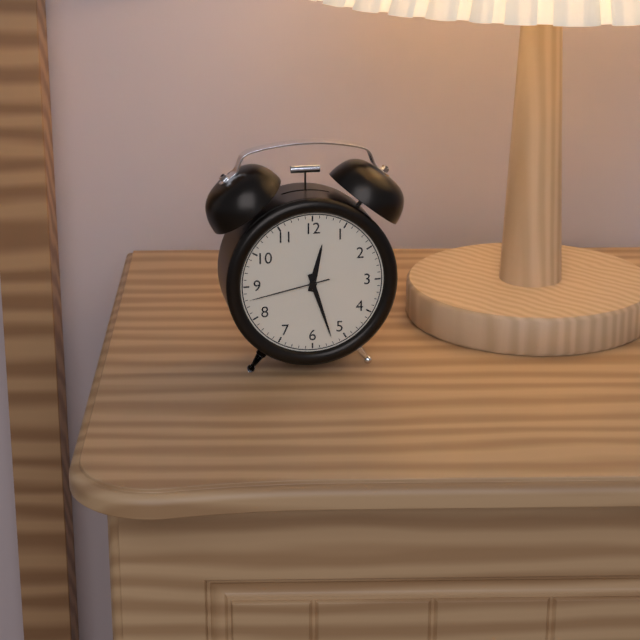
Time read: 12h27m43s
